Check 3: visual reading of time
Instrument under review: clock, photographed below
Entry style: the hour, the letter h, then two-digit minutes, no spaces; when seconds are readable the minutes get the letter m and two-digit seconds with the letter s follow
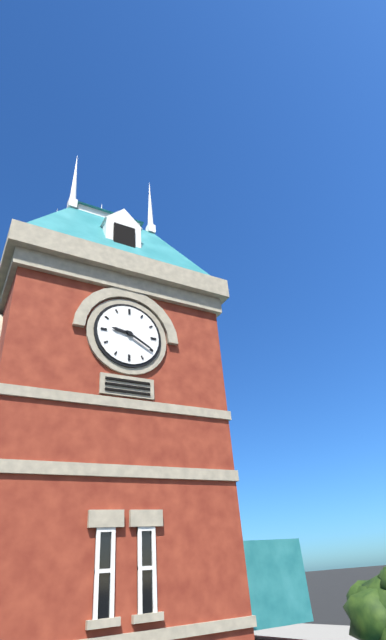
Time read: 9h20
